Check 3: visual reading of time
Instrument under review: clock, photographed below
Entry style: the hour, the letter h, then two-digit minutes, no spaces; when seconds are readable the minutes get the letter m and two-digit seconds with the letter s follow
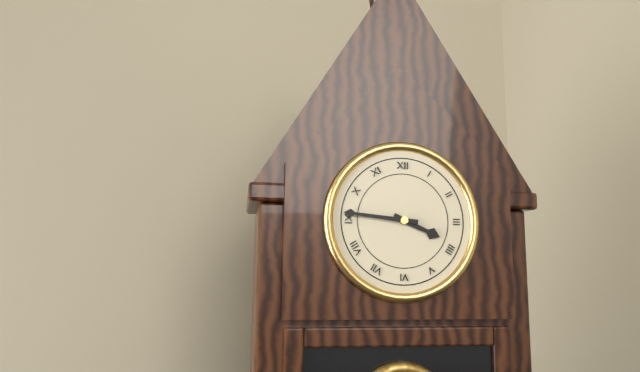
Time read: 3h46
